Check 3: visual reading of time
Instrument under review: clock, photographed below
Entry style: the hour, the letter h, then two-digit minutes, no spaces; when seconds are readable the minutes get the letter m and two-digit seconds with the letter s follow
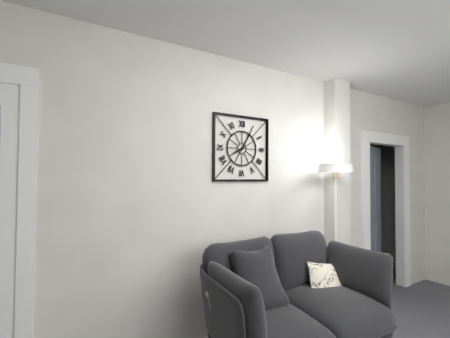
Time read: 8h05
